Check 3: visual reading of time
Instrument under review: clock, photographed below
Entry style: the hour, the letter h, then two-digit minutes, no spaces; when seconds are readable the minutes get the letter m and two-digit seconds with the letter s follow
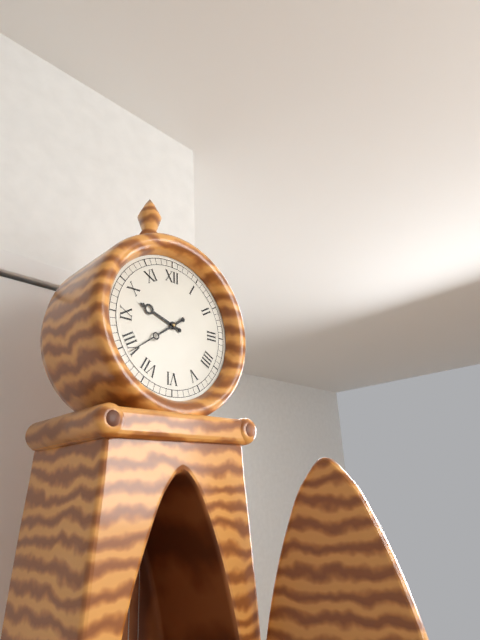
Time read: 9h39
